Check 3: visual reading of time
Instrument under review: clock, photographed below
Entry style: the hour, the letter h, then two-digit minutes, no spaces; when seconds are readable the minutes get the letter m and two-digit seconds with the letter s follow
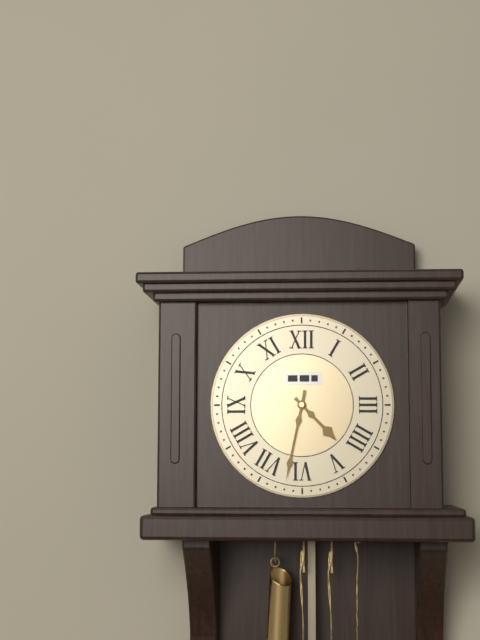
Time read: 4h32
